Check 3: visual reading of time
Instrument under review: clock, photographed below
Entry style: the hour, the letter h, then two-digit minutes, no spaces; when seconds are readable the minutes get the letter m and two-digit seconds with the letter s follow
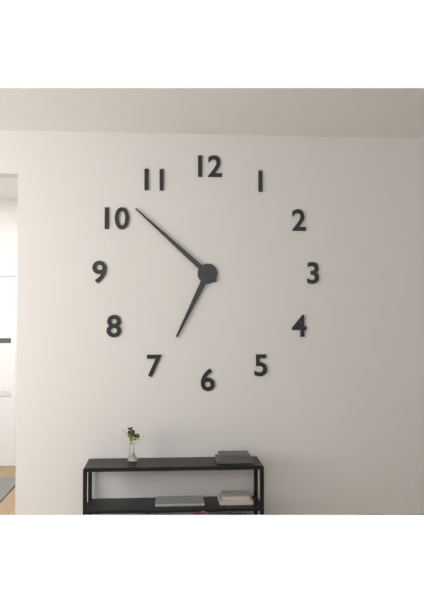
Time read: 6h52
